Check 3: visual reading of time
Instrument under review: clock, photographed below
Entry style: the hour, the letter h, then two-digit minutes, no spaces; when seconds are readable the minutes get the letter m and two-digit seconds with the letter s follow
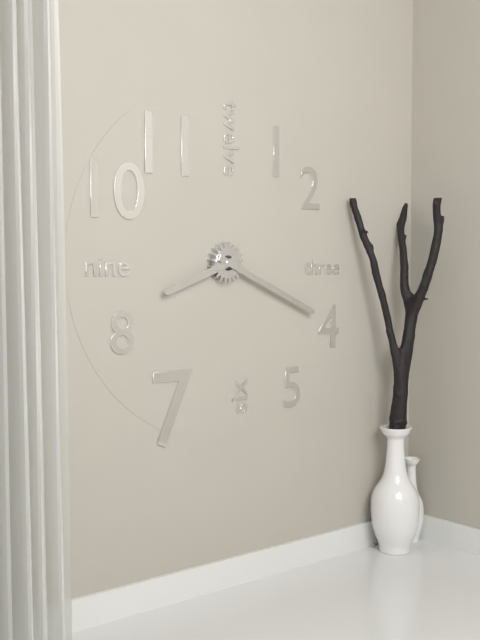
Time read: 8h19
